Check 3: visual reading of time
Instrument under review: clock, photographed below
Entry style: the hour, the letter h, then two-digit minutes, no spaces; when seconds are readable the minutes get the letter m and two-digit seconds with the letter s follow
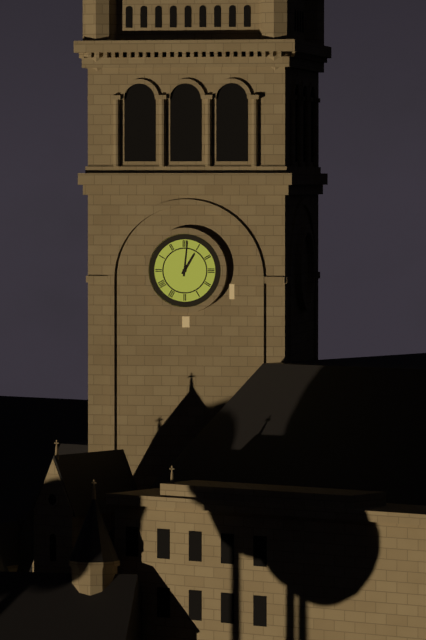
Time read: 1h01
